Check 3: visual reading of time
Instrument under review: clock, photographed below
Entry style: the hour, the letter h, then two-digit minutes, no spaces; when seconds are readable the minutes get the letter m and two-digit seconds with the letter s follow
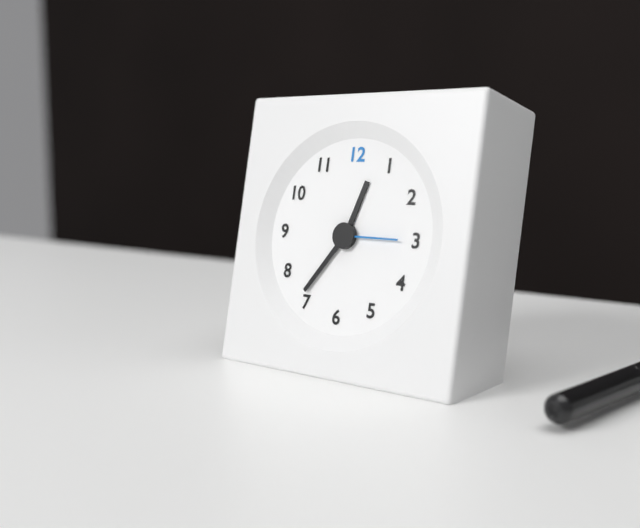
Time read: 12h36m15s
